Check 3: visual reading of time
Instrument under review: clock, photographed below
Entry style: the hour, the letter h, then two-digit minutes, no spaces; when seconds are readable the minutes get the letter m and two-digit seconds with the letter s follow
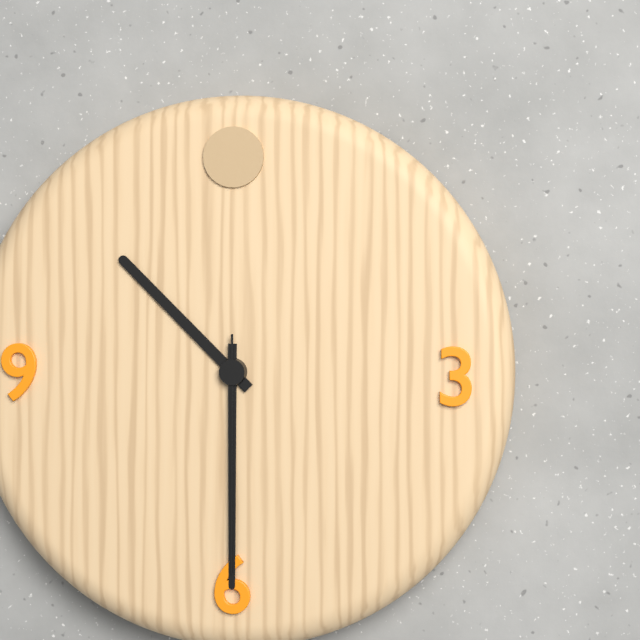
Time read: 10h30m30s
